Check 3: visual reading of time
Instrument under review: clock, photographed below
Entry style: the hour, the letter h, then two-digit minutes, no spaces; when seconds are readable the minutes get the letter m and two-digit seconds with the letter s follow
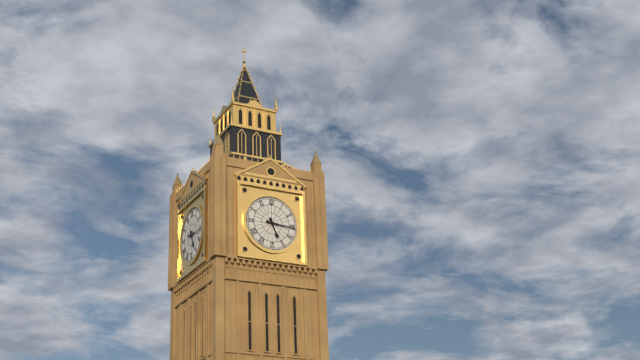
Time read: 5h16
